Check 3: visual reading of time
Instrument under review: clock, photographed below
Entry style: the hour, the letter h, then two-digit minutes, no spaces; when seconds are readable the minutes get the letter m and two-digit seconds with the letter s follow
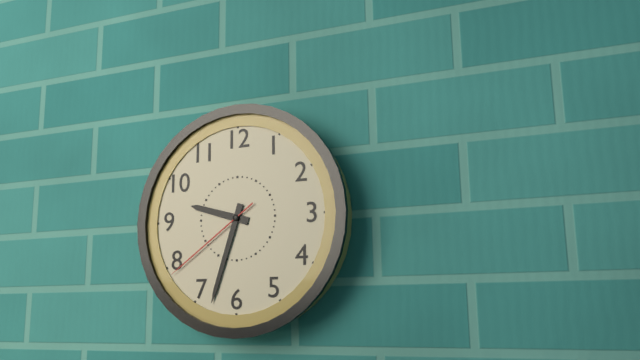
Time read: 9h33m39s
